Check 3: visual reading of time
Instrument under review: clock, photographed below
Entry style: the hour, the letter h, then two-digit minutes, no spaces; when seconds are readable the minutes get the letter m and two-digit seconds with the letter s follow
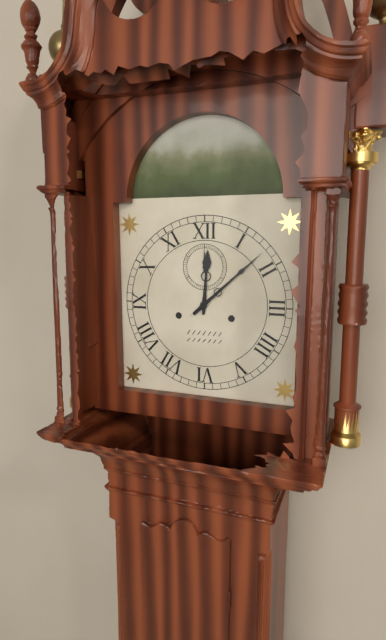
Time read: 12h08
